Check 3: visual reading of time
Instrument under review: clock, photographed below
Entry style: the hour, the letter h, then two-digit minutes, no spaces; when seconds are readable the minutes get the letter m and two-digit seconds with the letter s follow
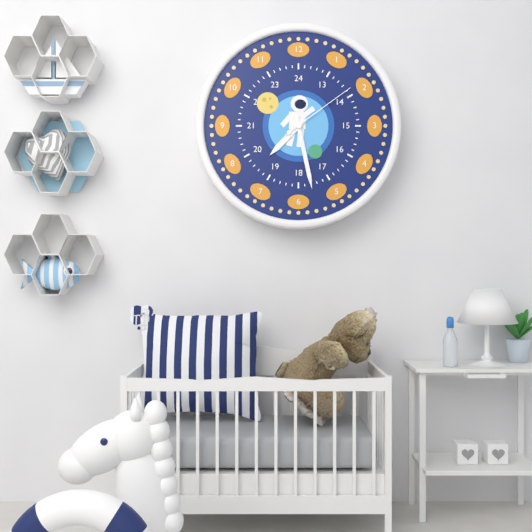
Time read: 7h28m09s
